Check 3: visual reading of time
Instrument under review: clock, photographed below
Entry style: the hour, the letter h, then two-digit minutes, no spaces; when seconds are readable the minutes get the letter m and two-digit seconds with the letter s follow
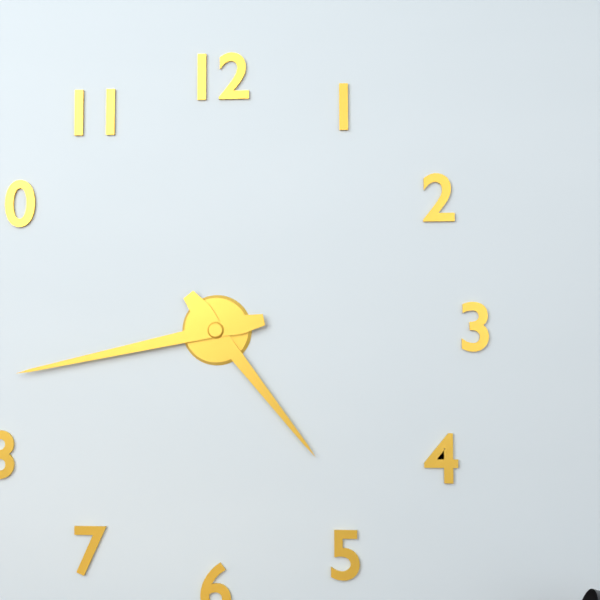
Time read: 4h43
